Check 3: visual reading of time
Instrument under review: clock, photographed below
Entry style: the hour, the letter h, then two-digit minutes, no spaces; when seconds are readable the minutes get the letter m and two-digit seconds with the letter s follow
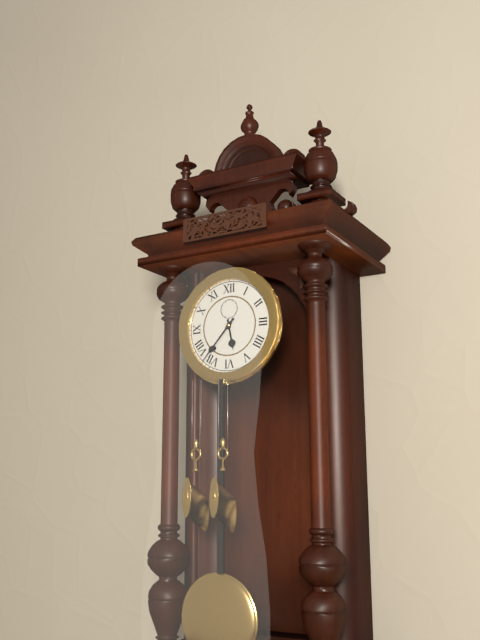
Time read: 5h37
